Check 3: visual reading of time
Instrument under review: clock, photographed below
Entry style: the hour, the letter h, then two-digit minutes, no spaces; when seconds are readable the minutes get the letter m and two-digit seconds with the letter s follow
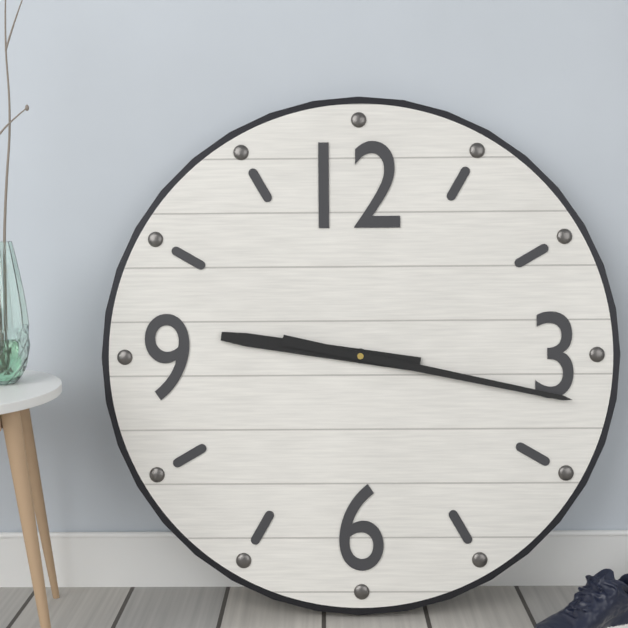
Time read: 9h17
